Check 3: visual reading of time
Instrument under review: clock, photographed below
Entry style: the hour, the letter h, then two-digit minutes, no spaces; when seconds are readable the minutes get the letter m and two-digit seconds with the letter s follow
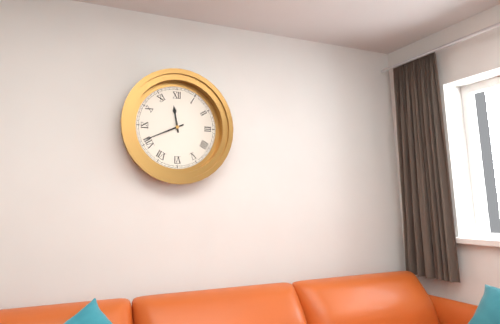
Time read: 11h41
